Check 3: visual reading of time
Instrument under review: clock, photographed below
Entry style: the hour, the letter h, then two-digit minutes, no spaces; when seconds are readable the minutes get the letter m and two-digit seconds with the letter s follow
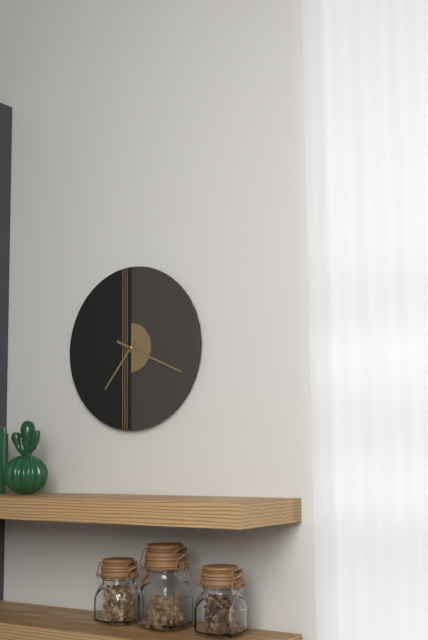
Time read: 7h19
